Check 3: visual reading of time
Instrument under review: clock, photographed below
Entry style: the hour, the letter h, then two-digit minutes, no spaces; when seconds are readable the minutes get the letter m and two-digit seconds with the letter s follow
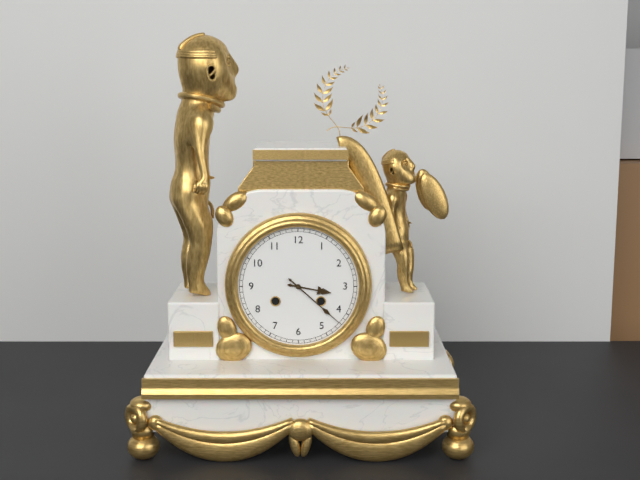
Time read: 3h22
